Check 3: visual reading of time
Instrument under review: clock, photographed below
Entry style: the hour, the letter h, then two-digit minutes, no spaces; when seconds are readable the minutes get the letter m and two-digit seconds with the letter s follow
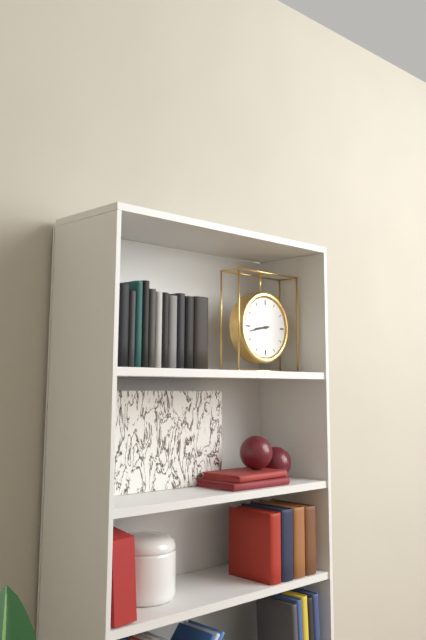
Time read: 8h43
